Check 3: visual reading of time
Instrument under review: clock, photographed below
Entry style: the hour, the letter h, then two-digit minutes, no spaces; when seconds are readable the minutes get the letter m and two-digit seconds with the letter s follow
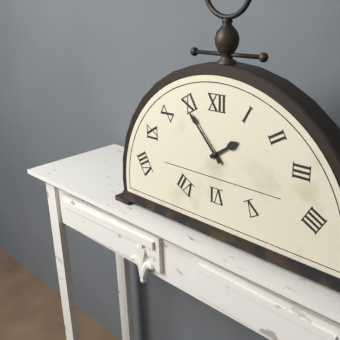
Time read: 1h53
